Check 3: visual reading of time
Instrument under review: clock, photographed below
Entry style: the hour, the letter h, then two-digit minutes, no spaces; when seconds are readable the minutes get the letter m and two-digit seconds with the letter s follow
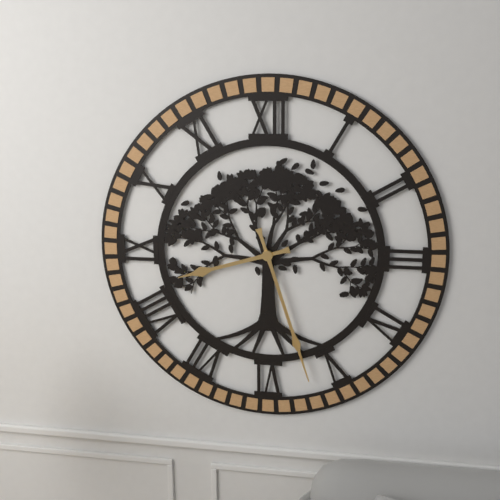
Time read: 8h27
